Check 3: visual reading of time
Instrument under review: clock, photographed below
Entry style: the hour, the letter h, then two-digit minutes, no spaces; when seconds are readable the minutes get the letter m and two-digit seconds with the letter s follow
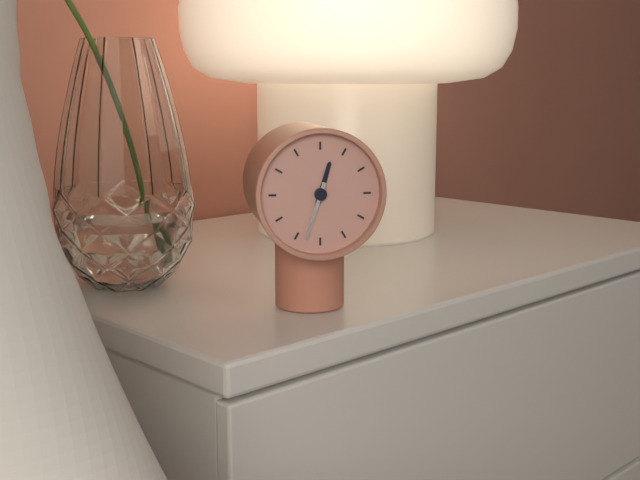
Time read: 12h33
